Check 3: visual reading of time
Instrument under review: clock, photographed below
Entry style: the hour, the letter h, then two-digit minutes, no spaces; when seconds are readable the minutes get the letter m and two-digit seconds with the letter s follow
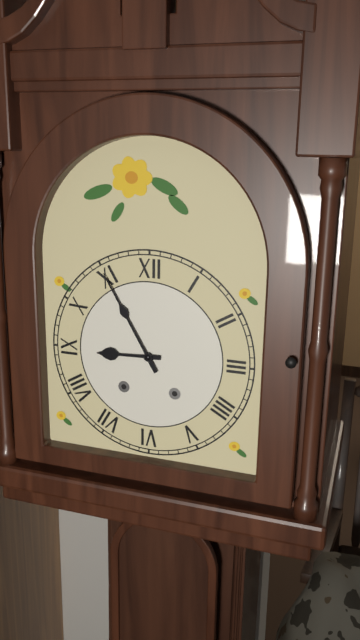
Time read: 8h55
